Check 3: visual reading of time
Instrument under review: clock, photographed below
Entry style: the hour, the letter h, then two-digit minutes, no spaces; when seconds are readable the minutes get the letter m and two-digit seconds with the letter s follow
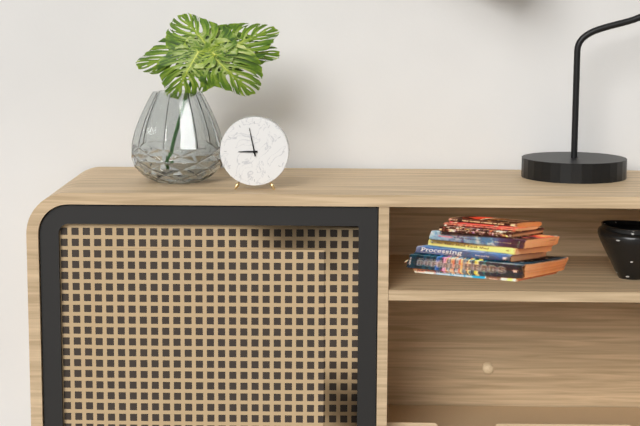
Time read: 8h58
